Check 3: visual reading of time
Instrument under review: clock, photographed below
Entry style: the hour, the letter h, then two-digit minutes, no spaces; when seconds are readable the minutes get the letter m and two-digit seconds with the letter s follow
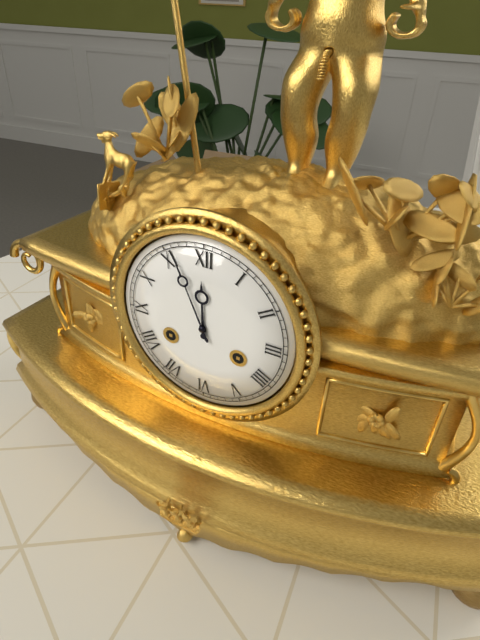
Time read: 11h56
